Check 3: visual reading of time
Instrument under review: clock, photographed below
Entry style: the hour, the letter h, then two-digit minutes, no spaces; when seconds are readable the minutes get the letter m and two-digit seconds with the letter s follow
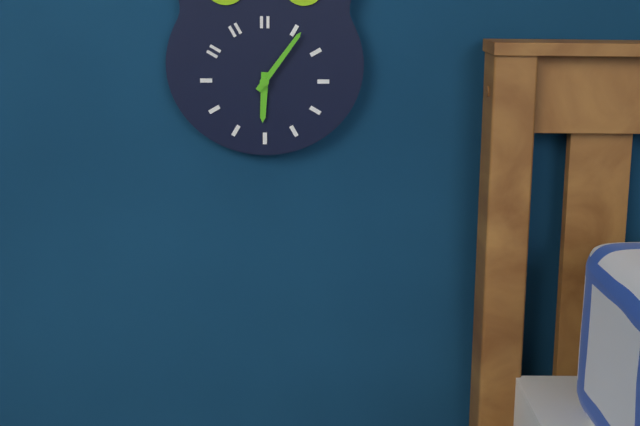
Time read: 6h06
